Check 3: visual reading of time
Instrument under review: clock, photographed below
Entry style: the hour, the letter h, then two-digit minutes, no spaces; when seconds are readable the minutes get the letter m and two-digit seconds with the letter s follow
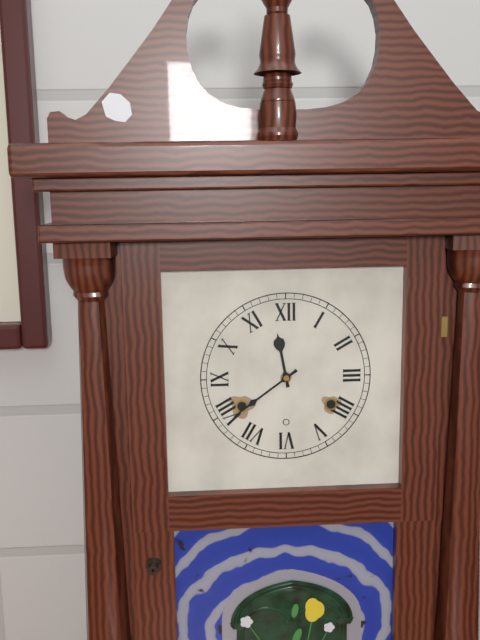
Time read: 11h39
